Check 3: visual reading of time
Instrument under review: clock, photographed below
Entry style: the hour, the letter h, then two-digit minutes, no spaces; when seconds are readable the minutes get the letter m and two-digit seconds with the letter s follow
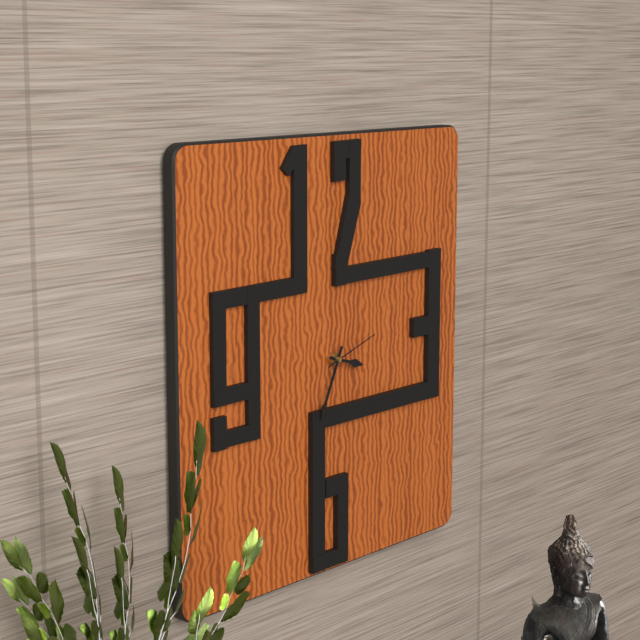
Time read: 3h34m12s
